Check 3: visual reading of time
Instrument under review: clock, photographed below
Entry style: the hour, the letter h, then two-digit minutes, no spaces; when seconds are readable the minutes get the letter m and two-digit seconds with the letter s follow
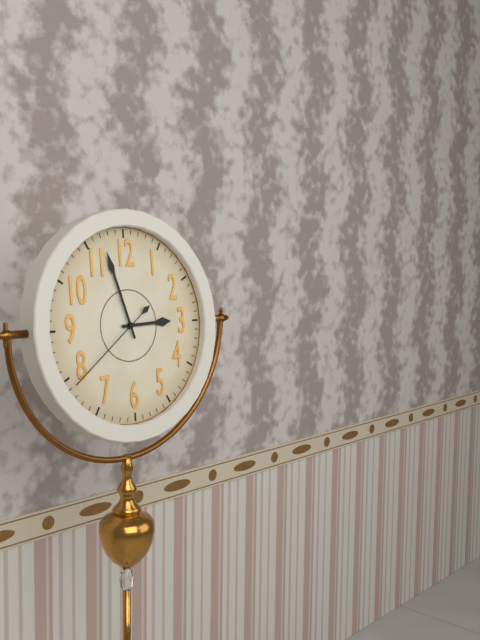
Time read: 2h57m39s
